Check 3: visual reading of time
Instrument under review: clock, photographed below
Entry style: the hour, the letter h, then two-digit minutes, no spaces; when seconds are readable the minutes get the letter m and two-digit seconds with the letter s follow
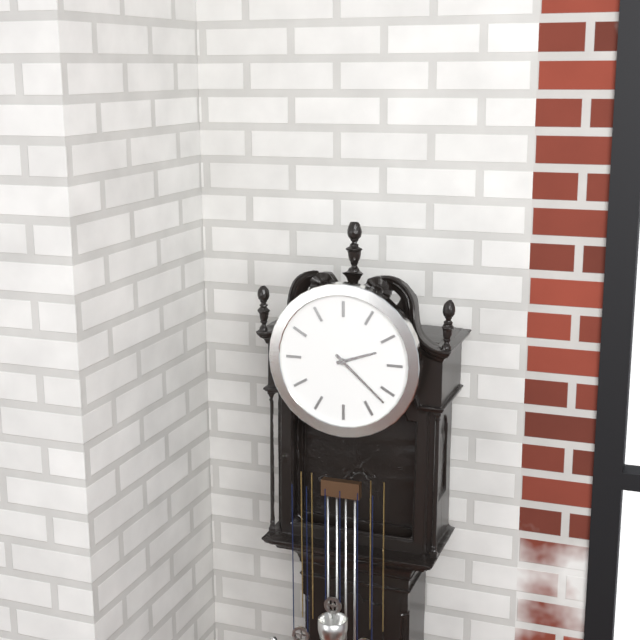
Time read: 2h22
